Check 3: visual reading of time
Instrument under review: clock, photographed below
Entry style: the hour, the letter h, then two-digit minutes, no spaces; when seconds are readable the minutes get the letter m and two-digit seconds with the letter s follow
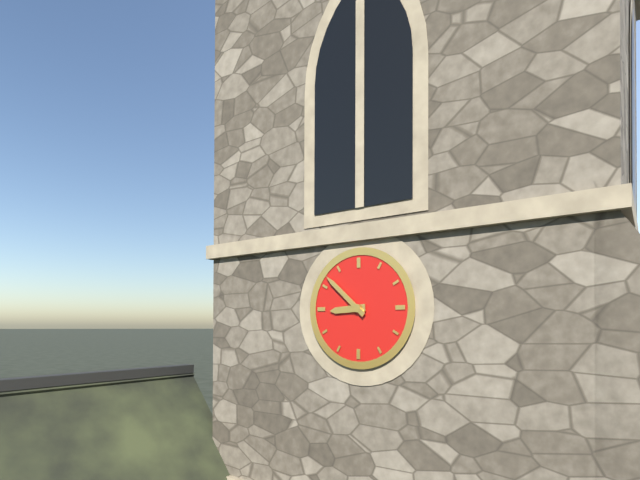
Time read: 8h52
